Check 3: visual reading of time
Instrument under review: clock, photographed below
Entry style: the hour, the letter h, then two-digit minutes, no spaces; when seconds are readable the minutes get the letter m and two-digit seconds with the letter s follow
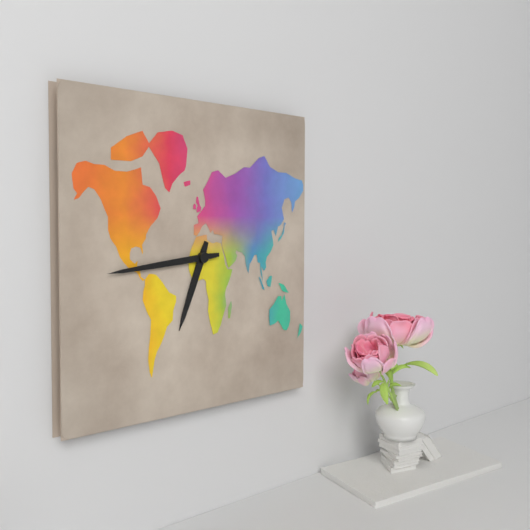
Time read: 6h44
